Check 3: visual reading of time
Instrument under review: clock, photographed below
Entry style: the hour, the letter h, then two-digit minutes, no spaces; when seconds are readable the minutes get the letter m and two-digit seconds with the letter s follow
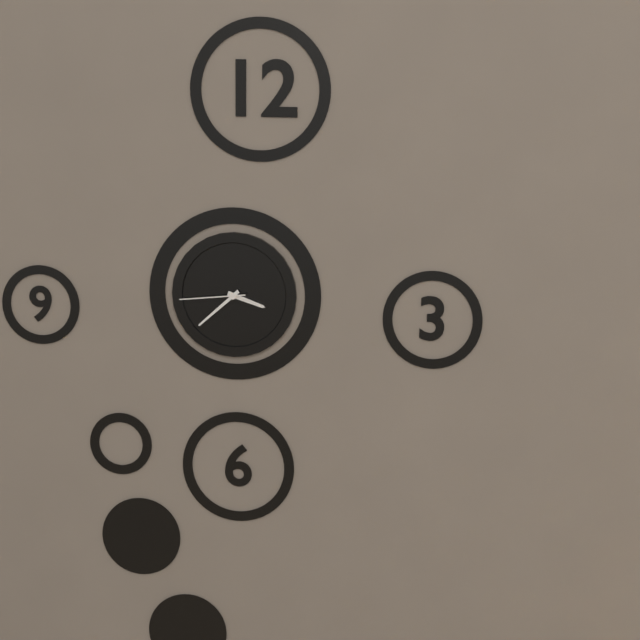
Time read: 3h38m44s
